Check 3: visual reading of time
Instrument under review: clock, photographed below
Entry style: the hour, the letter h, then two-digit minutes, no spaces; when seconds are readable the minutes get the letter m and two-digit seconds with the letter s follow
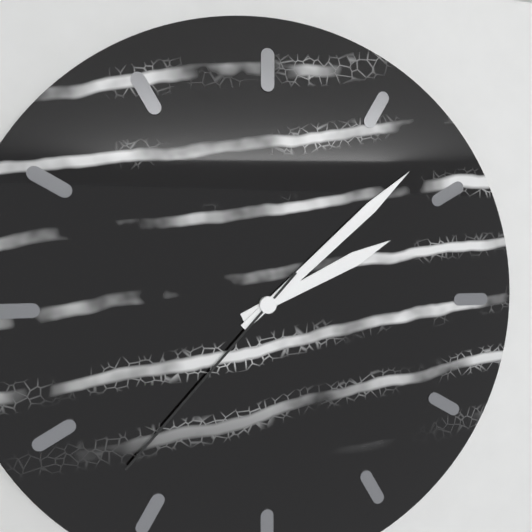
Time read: 2h08m37s
